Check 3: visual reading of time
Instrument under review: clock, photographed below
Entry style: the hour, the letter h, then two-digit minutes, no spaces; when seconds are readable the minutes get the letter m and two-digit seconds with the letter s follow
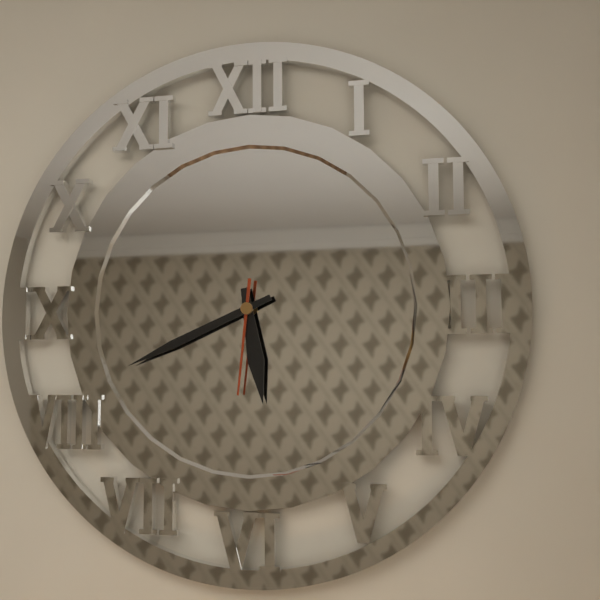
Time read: 5h41m31s
